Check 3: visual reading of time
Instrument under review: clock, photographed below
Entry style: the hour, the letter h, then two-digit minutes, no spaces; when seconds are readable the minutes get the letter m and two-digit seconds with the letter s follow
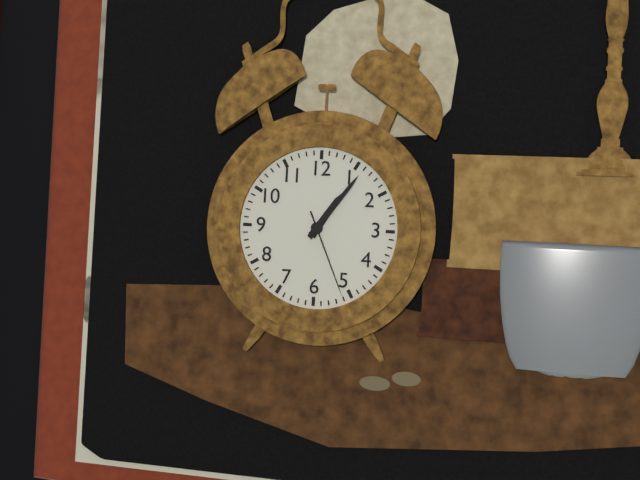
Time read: 1h06m26s
